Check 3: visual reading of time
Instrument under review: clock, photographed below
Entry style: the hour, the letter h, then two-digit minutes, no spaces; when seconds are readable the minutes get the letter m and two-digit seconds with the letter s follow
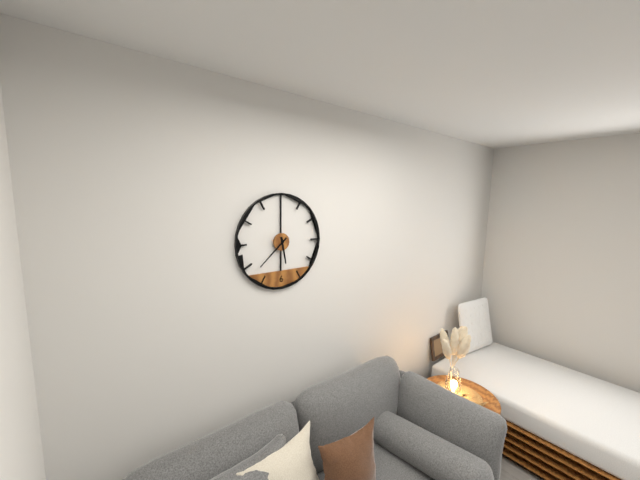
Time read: 5h38
